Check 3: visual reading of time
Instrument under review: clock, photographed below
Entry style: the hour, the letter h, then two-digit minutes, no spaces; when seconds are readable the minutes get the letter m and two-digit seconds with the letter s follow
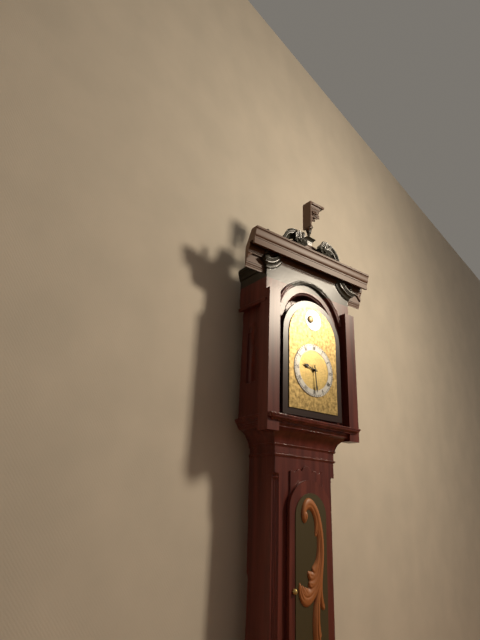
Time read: 9h29
